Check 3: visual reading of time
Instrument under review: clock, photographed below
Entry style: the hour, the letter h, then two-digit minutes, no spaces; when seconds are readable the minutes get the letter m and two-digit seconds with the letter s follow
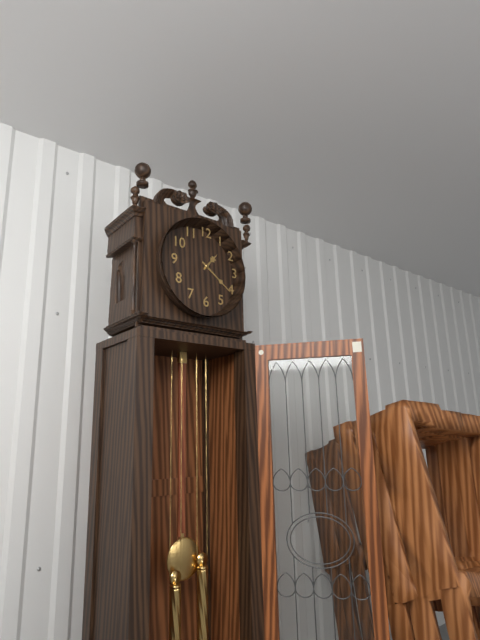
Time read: 1h21
